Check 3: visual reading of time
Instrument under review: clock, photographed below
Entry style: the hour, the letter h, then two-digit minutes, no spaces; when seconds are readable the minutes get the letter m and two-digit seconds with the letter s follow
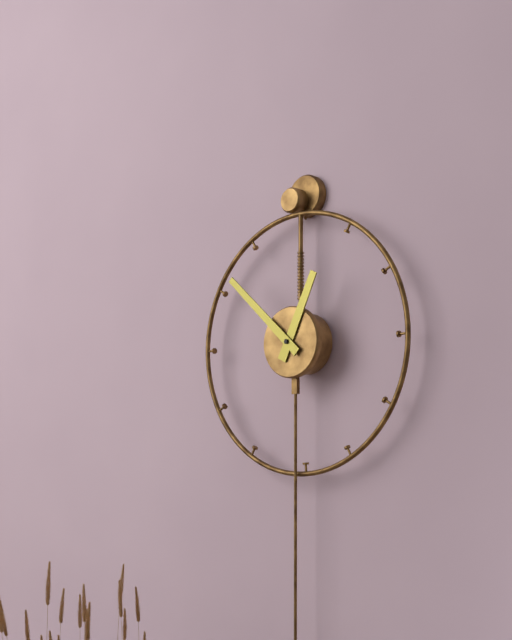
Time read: 12h52
